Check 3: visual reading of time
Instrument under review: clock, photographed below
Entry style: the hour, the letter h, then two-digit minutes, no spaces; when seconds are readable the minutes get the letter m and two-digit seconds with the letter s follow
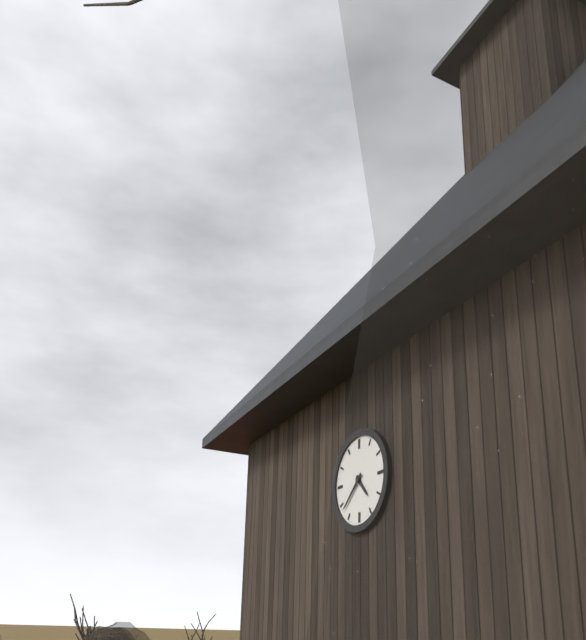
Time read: 4h38
